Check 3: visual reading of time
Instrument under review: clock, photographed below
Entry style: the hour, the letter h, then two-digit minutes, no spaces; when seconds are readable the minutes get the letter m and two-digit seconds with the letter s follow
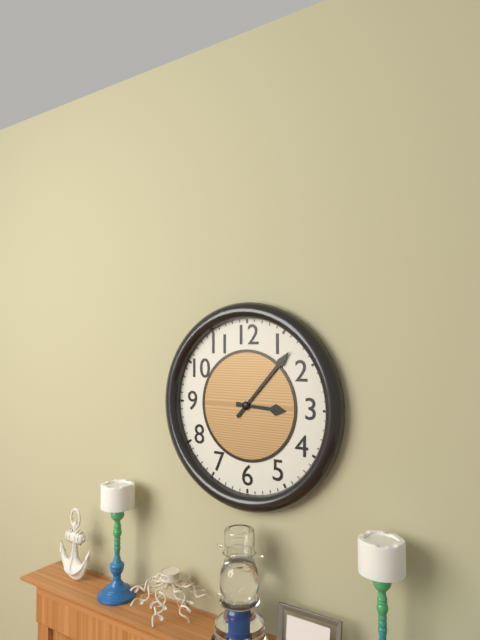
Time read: 3h07
